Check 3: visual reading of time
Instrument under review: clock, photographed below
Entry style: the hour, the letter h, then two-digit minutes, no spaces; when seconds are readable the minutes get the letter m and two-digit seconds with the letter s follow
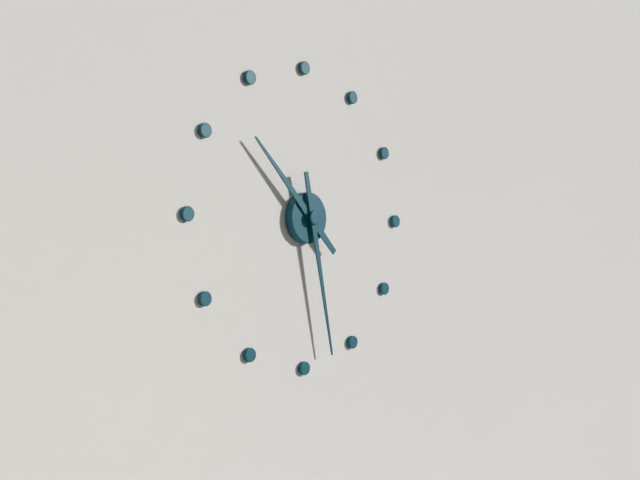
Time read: 10h28
